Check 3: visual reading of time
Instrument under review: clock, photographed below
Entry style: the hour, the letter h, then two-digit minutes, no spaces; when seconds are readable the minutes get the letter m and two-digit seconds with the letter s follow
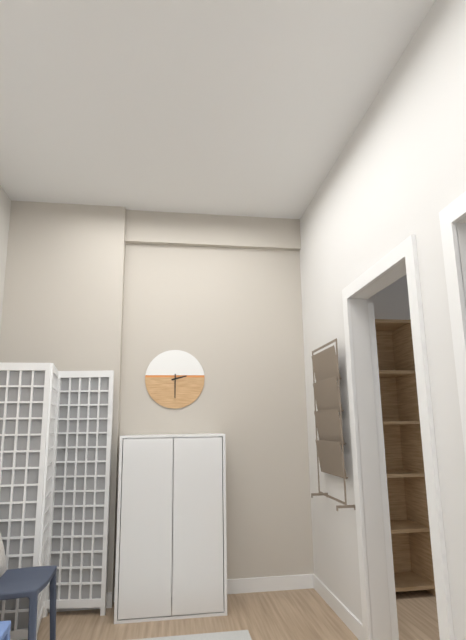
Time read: 2h30
